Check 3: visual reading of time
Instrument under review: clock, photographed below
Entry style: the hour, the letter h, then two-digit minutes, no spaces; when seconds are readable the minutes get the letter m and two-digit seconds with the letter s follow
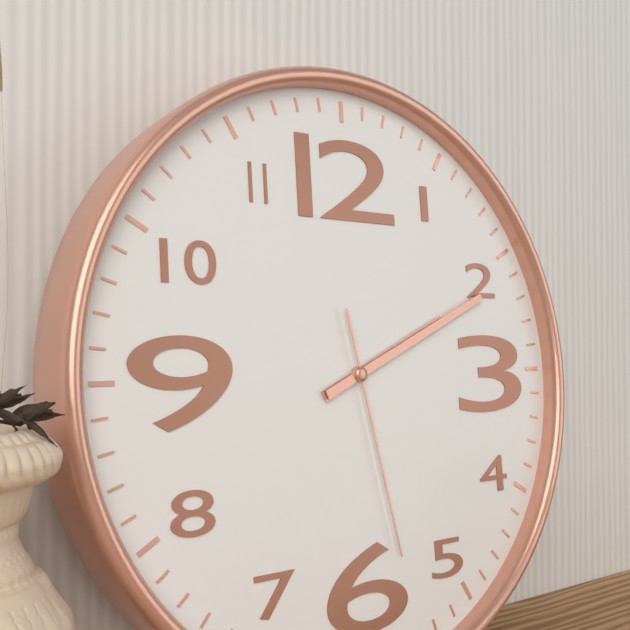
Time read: 2h11m28s
